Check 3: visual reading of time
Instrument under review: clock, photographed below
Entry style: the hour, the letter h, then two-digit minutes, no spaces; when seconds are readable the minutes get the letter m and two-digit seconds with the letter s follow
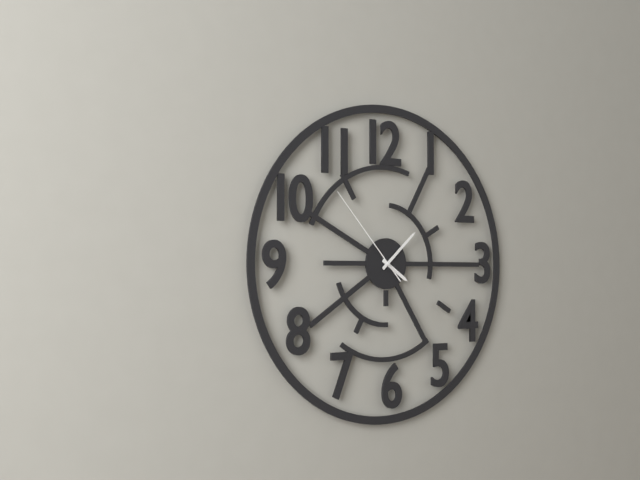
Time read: 4h08m53s
